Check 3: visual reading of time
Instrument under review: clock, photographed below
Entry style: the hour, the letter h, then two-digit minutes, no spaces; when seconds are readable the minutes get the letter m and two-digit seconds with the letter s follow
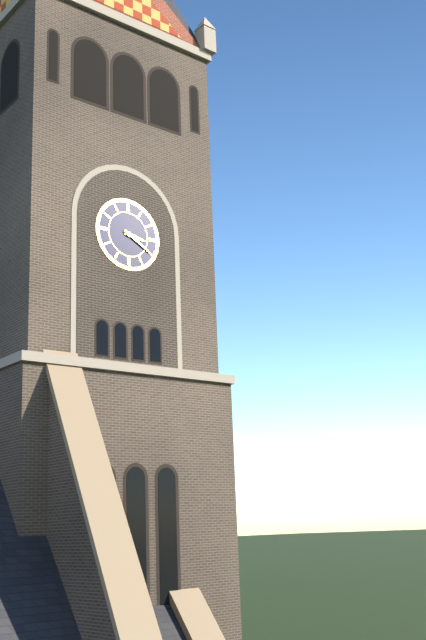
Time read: 3h20
